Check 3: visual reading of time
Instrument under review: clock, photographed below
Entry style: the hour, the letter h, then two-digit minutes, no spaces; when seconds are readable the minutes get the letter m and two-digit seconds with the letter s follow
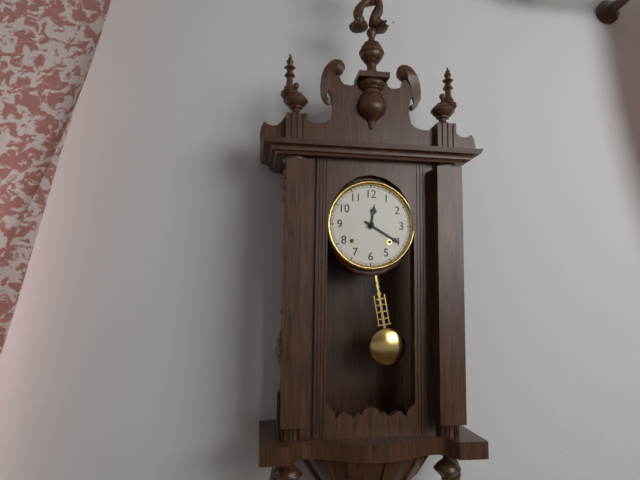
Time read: 12h20
